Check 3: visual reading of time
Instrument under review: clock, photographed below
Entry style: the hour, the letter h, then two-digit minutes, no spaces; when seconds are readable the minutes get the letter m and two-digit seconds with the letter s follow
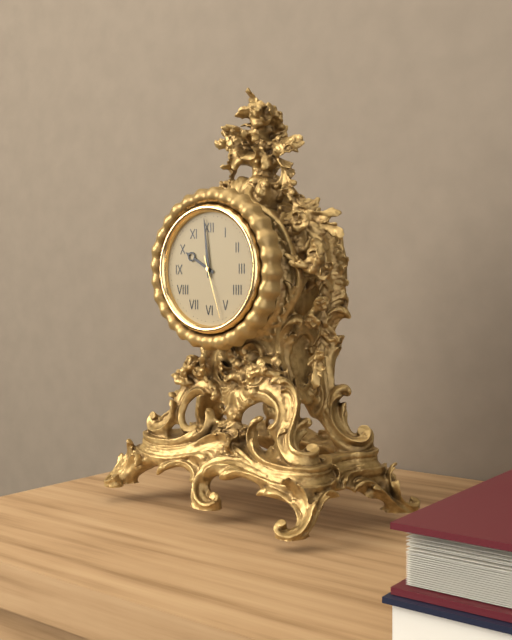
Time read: 9h59m27s
